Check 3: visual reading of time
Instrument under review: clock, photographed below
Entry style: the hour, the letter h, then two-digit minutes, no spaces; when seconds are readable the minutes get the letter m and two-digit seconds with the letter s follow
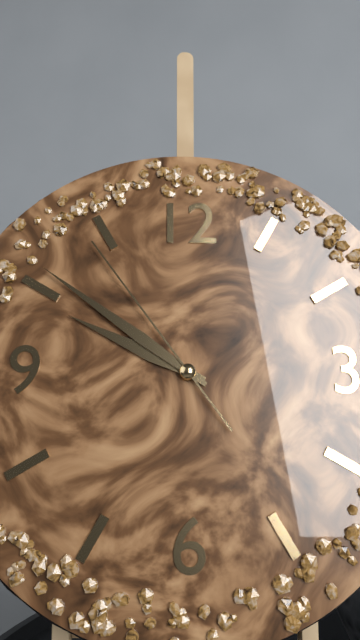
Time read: 9h51m54s
